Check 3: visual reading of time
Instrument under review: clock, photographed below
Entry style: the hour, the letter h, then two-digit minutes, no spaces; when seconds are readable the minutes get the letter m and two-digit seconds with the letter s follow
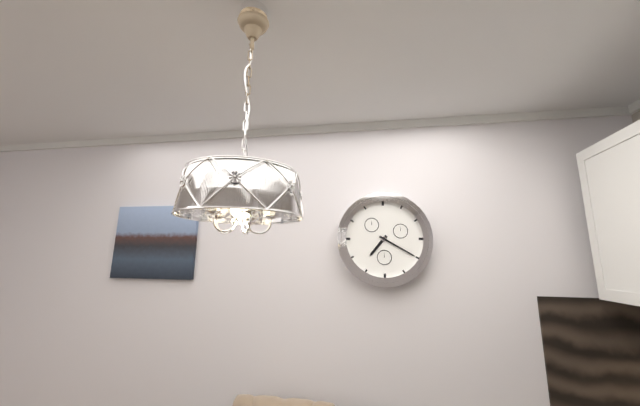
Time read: 7h20
